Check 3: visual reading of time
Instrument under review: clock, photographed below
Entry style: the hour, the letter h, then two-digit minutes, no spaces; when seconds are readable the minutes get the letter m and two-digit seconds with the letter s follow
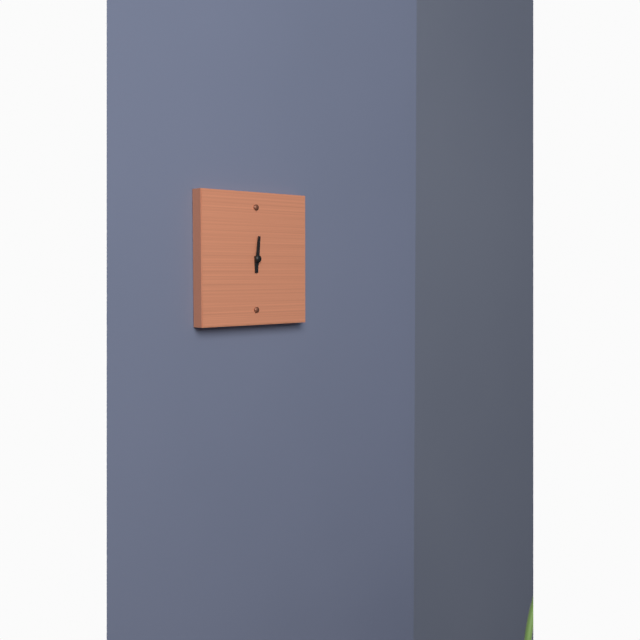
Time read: 6h01
